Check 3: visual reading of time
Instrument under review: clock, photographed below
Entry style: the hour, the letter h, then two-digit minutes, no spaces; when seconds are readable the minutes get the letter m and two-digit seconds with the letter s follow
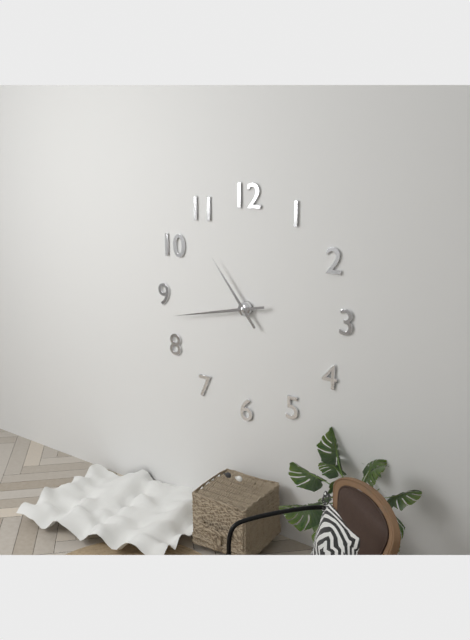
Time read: 10h43
